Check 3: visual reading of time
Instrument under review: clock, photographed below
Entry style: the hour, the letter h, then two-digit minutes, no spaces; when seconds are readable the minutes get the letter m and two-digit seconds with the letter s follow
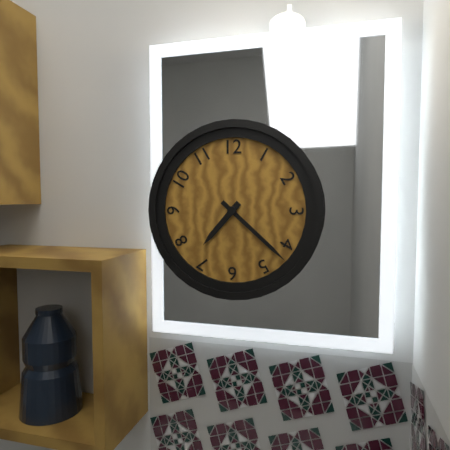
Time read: 7h22
